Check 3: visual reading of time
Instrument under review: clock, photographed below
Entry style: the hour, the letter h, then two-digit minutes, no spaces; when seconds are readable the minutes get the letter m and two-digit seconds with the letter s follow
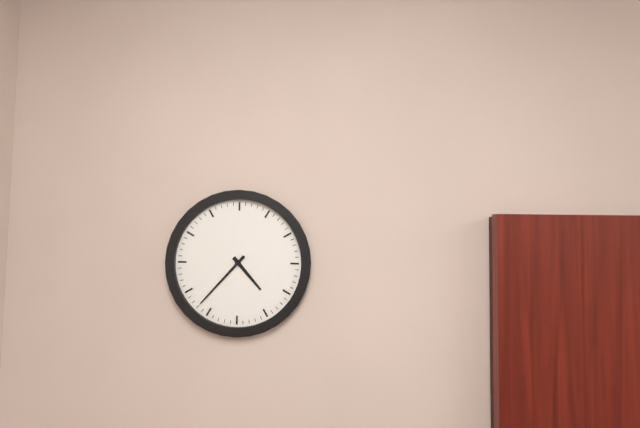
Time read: 4h37
